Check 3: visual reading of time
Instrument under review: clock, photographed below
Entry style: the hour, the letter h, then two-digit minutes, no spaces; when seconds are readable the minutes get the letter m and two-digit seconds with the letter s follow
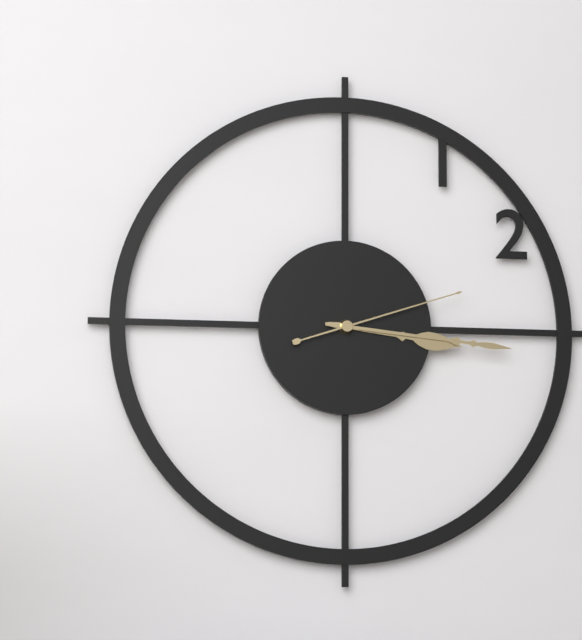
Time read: 3h16m12s
